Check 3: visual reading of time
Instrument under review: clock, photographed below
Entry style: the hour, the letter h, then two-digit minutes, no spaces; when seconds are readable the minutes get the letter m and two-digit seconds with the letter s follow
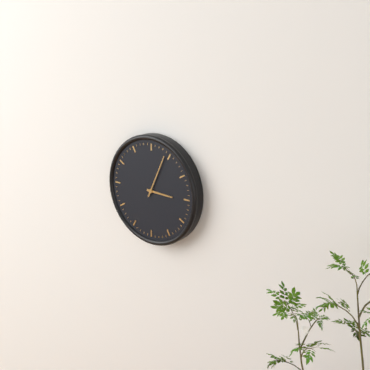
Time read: 3h04
